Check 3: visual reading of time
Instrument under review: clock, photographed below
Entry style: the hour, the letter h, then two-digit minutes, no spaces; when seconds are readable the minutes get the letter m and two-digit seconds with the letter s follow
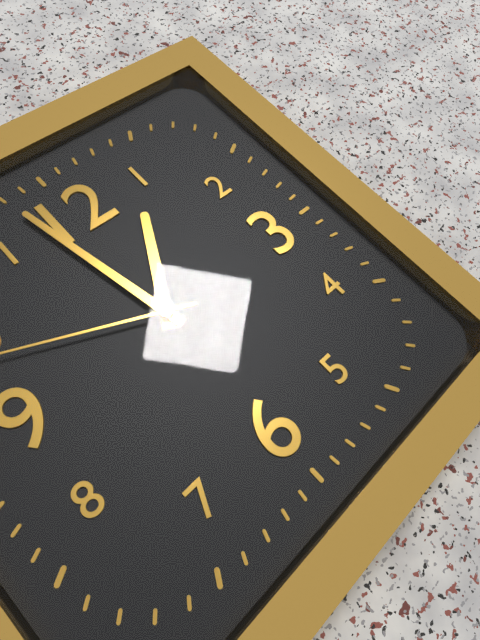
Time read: 12h58
